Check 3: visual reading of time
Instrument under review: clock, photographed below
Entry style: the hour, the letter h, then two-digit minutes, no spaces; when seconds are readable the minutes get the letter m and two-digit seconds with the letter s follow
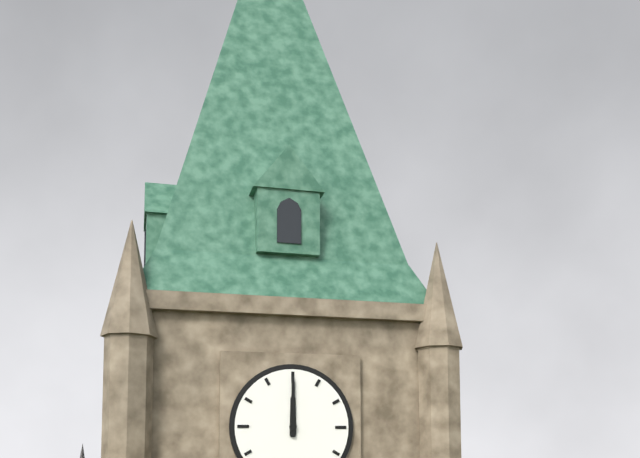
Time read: 12h00
